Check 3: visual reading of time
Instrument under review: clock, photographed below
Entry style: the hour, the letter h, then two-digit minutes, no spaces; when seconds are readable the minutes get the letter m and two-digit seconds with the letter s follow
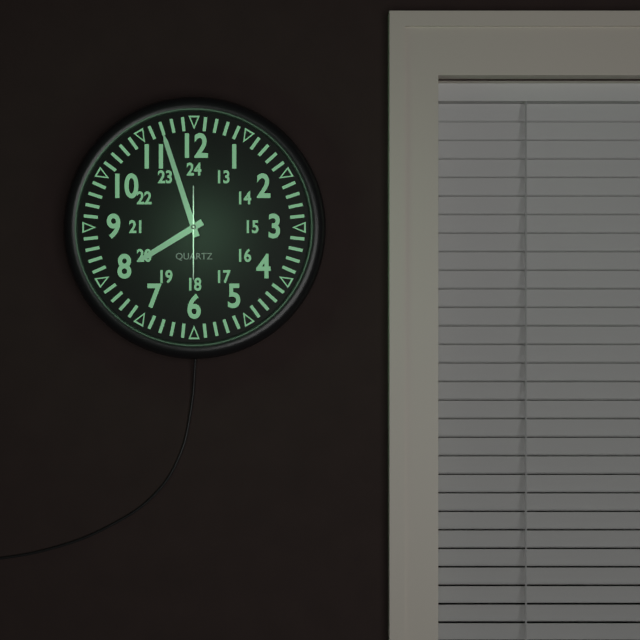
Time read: 7h57m30s
